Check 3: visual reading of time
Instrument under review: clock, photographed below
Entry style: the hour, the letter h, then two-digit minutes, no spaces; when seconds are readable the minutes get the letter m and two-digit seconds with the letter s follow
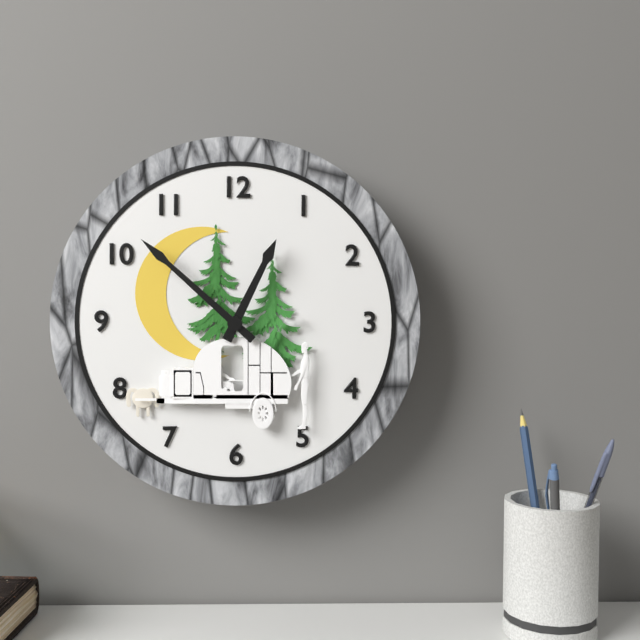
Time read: 12h52
